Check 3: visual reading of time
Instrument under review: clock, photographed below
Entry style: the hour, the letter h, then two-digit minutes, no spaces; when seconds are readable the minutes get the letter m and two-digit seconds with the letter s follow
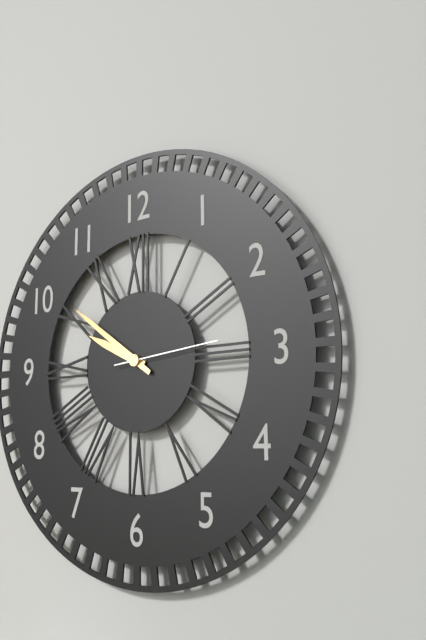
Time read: 9h51m14s
